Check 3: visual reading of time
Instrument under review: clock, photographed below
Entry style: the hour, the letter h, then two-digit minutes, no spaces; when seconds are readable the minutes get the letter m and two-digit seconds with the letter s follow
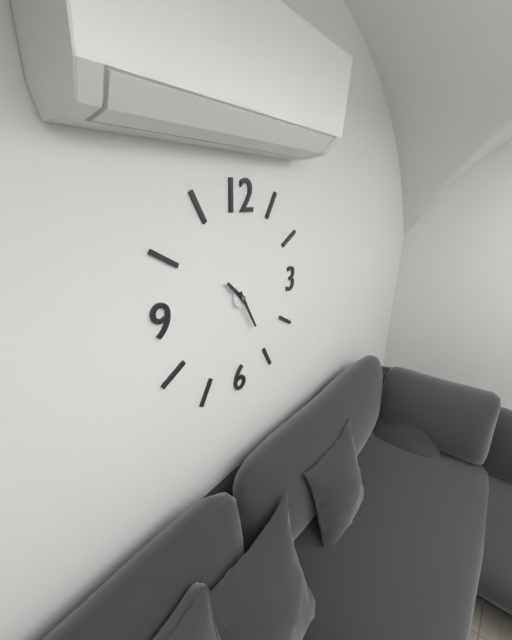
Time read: 10h25
